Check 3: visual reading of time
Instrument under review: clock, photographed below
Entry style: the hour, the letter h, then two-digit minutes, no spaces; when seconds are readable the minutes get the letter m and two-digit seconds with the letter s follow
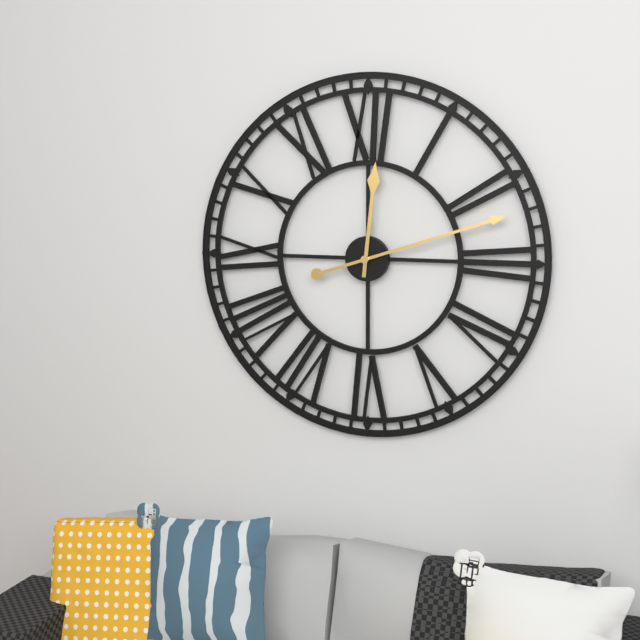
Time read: 12h12
